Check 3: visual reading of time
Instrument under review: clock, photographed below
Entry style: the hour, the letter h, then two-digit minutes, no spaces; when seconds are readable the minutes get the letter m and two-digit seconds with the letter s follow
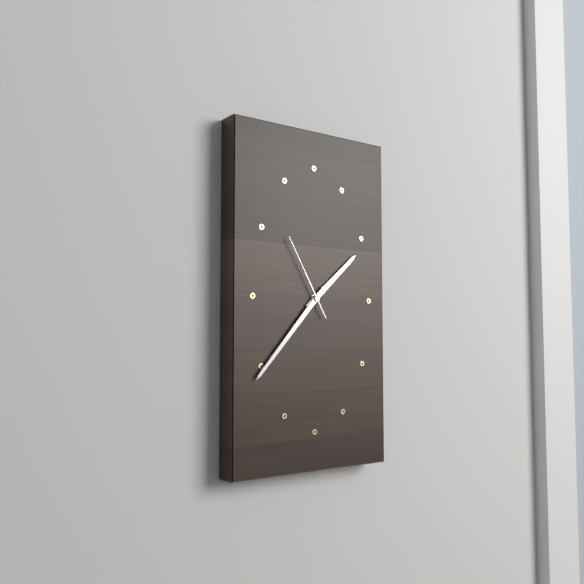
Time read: 1h37m55s
